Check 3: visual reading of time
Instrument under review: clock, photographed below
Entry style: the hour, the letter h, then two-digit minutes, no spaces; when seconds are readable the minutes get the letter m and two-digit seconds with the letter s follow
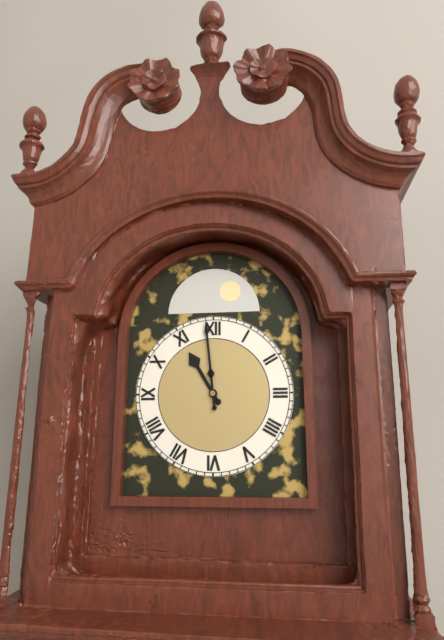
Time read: 10h59
